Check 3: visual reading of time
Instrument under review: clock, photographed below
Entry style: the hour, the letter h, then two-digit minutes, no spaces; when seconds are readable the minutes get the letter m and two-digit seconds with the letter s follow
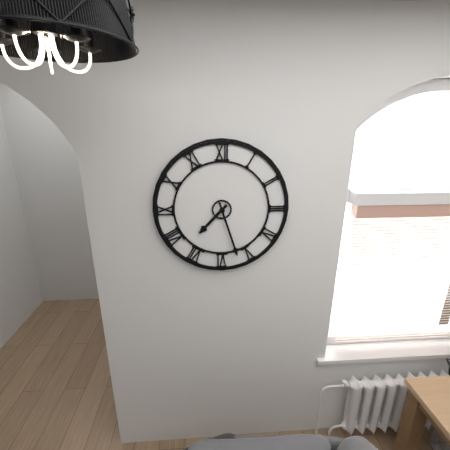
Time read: 7h27
